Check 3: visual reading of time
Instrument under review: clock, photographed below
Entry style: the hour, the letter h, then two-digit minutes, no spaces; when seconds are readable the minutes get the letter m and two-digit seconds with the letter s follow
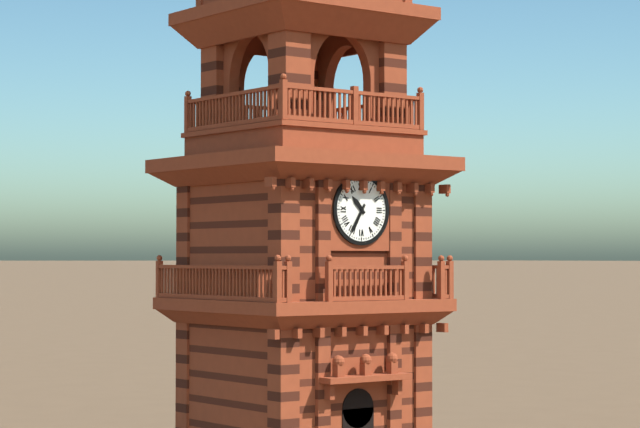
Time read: 10h35
